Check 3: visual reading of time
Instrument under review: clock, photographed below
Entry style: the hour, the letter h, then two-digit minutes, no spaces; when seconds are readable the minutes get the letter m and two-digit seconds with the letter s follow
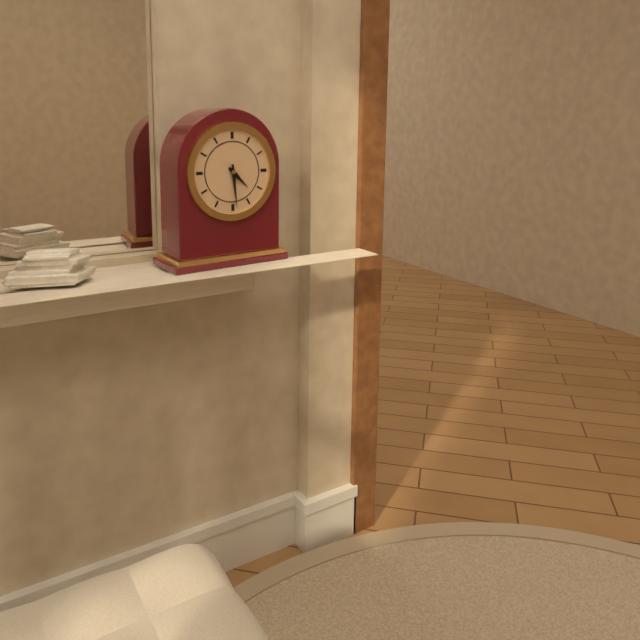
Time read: 4h29
